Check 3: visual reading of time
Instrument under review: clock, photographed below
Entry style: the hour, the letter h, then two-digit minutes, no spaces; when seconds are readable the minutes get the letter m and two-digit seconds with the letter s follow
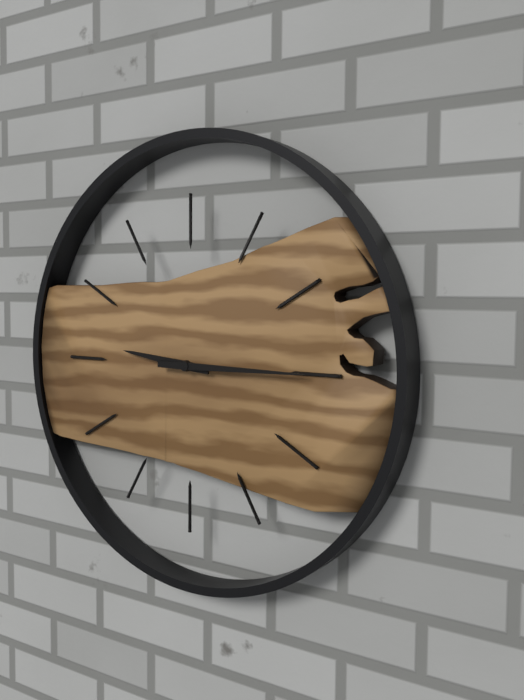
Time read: 9h15
